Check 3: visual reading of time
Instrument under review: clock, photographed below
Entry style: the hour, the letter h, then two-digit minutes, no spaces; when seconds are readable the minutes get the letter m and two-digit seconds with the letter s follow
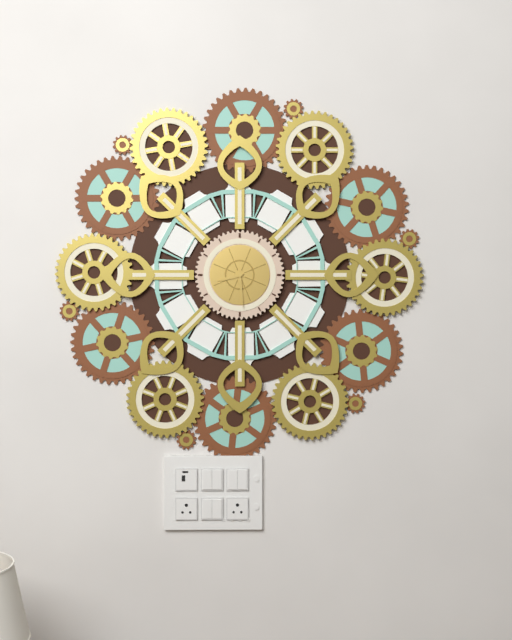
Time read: 8h29
